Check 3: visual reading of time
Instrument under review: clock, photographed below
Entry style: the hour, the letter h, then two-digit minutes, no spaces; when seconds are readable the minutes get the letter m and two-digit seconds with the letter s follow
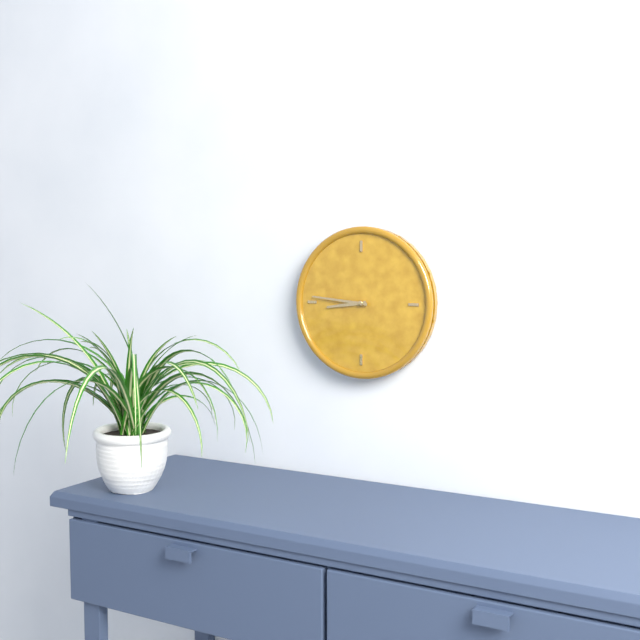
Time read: 8h46
